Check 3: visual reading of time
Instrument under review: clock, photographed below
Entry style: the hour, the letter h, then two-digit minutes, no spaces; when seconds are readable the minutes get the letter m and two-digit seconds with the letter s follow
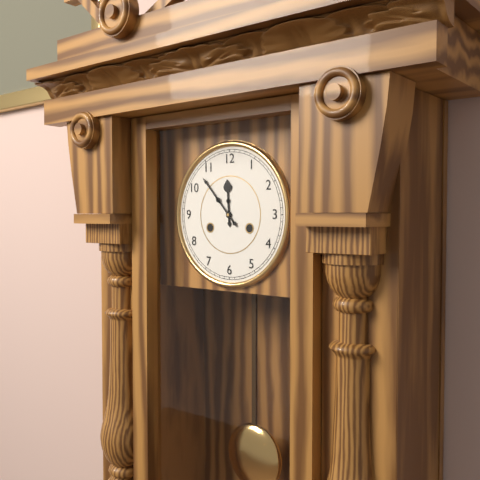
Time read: 11h53
